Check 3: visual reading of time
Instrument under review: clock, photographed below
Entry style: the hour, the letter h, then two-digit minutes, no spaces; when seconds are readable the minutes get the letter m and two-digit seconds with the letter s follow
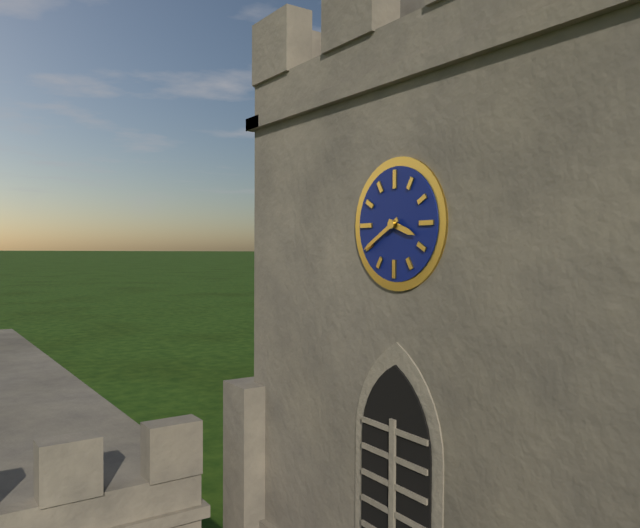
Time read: 3h40
